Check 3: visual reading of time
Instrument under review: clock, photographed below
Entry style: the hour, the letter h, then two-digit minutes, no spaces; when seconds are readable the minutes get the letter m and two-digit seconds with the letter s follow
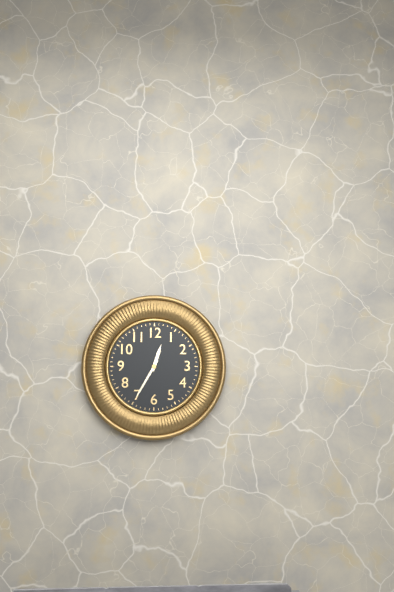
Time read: 12h35
